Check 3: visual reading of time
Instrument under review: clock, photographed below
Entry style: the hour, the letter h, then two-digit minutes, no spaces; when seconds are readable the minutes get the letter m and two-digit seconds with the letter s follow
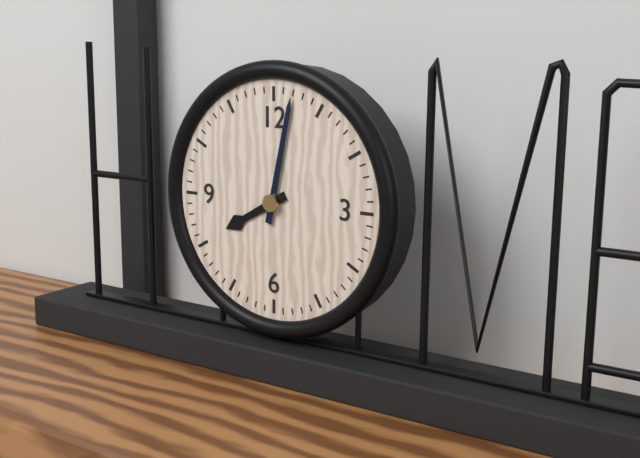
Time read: 8h02
